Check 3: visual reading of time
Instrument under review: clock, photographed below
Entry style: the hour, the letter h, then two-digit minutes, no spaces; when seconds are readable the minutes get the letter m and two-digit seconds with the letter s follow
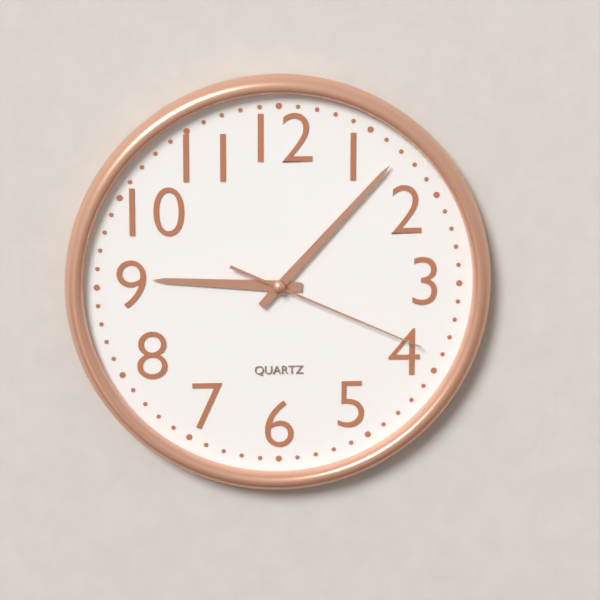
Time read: 9h07m19s
